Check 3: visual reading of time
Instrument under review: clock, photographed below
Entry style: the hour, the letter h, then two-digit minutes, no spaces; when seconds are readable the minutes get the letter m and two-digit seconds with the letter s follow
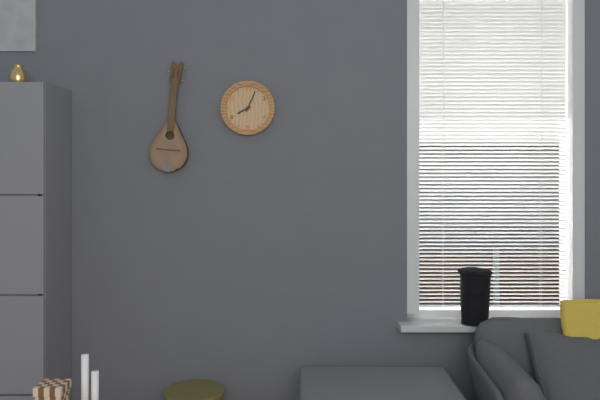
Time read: 8h04
